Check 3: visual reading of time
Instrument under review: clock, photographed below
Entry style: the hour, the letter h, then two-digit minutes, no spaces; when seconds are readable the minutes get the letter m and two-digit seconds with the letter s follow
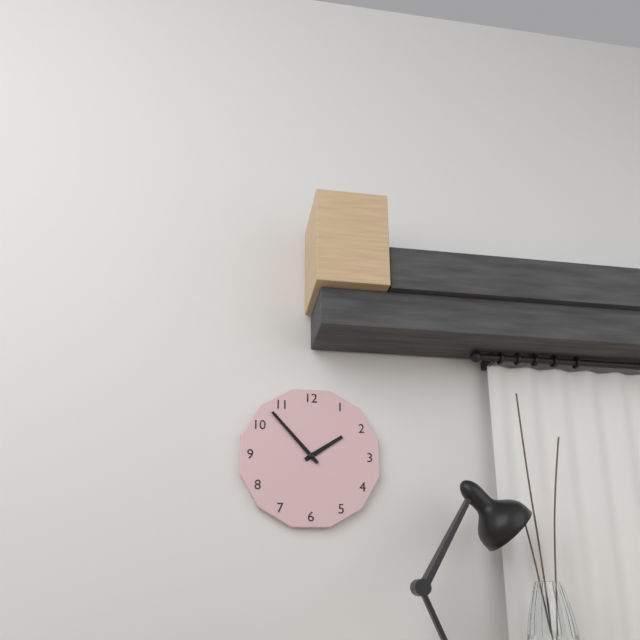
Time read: 1h53
